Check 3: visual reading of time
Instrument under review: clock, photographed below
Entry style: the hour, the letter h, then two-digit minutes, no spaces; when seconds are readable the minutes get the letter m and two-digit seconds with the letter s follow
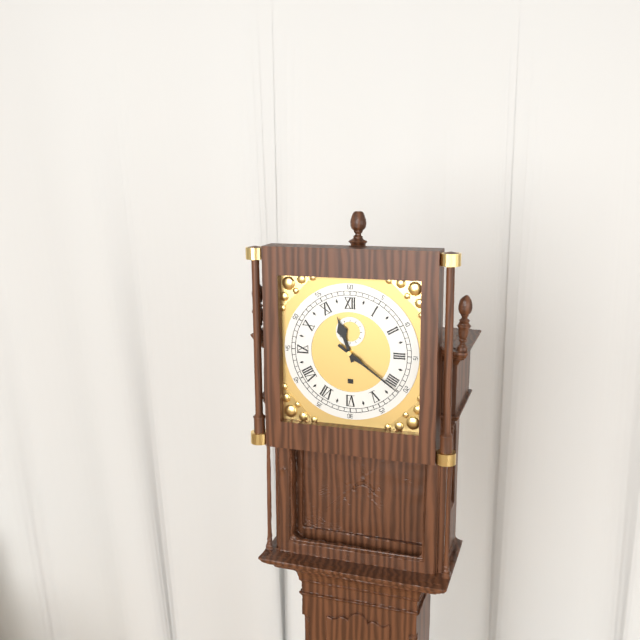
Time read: 11h21
